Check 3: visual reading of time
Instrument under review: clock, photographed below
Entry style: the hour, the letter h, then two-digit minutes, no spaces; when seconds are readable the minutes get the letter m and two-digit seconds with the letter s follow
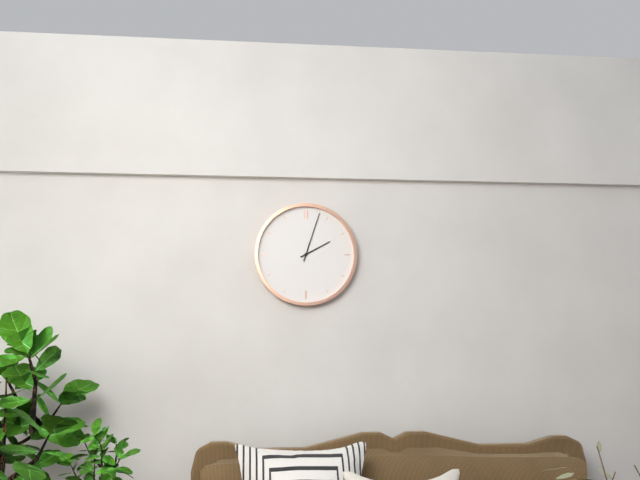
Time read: 2h03
